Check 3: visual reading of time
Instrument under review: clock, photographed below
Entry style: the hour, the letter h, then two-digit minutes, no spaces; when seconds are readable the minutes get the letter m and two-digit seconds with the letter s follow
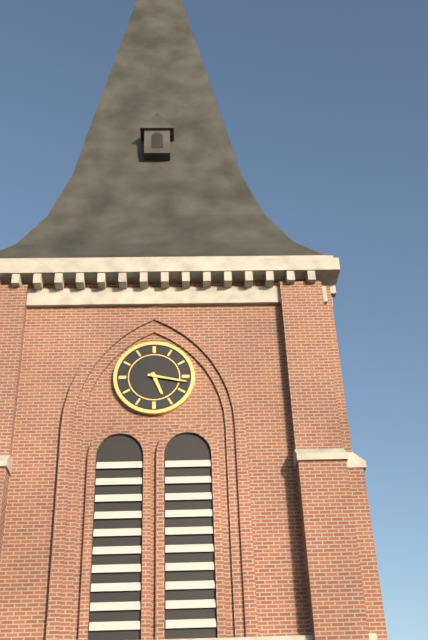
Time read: 5h17
